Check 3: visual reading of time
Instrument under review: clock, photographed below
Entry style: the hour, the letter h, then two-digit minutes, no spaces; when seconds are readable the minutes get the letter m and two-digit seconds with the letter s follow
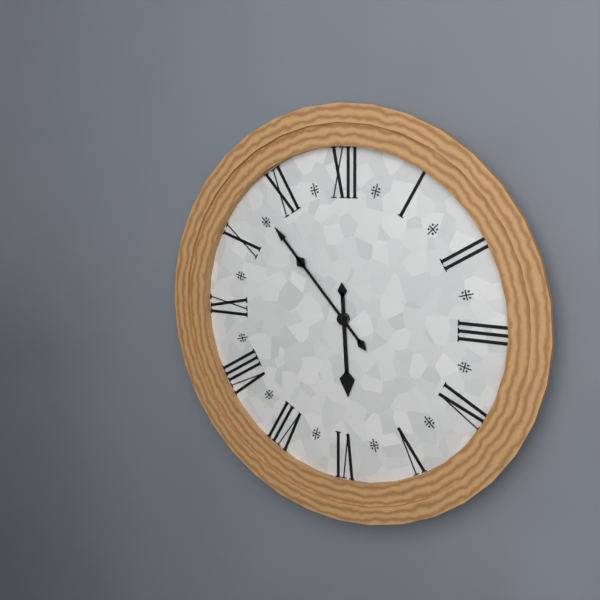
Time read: 5h53
